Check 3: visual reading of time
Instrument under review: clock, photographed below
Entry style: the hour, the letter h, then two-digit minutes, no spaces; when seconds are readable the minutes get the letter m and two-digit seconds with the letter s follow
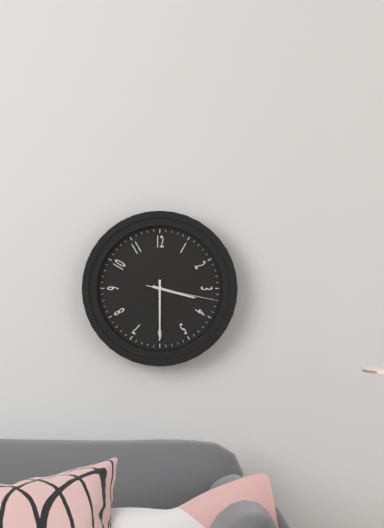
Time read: 3h30m17s
